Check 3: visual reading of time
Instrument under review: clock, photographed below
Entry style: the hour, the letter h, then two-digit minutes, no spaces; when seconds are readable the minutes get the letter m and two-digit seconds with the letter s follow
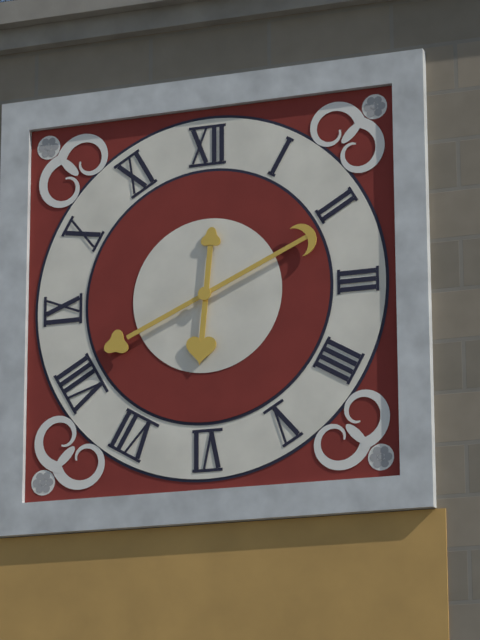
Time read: 6h11
